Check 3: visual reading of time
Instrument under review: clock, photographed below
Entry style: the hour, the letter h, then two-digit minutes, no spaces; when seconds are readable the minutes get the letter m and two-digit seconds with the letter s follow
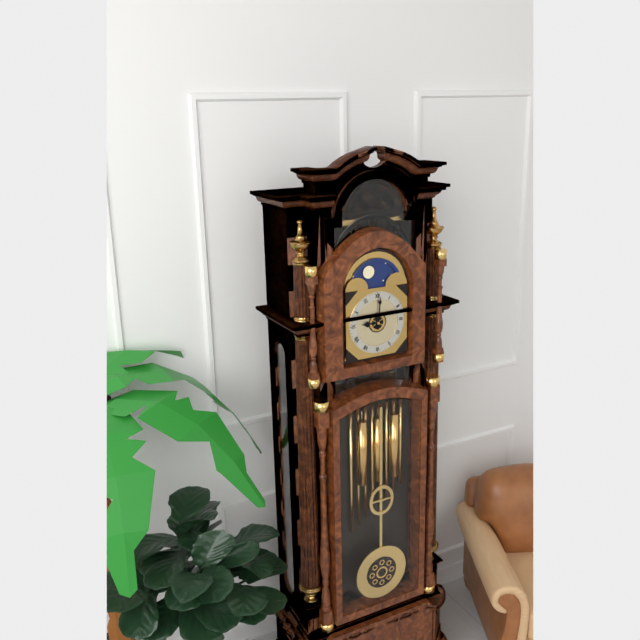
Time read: 9h01
